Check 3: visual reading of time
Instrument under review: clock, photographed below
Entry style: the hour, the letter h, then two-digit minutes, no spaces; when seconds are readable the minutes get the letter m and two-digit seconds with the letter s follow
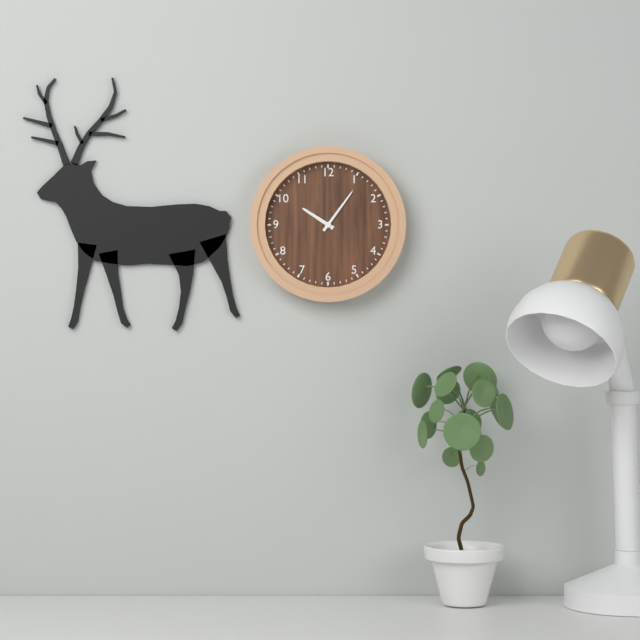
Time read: 10h06
